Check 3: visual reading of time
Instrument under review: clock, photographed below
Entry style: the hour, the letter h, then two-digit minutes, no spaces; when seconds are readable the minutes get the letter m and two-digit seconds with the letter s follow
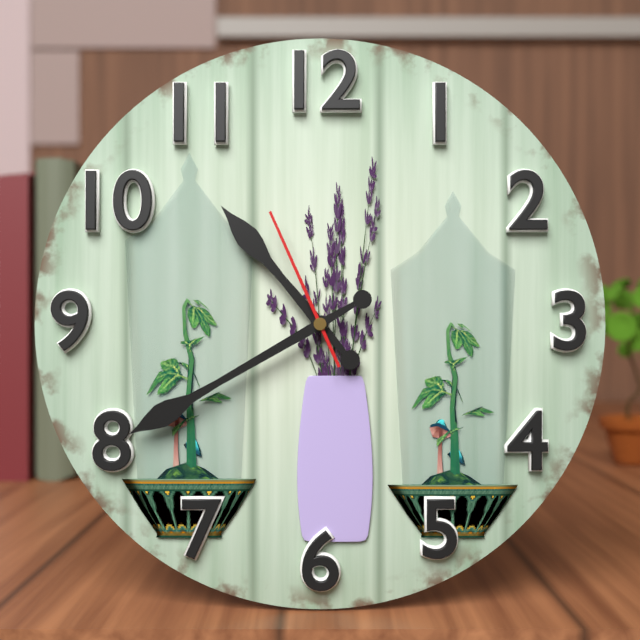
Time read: 10h40m56s
